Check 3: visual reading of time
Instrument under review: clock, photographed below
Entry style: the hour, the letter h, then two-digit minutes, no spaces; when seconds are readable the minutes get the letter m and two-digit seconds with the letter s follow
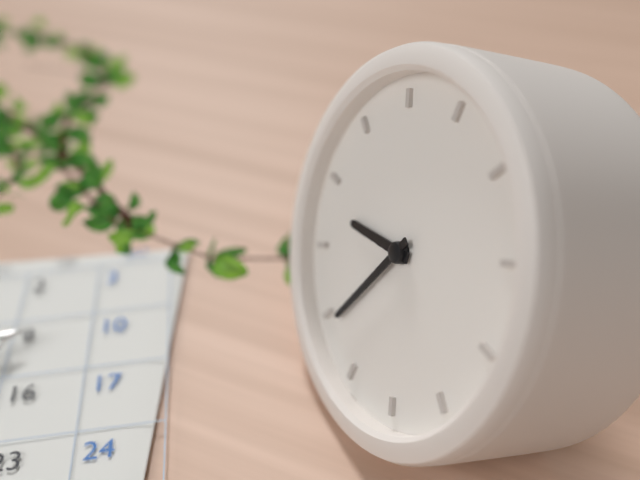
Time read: 8h34
